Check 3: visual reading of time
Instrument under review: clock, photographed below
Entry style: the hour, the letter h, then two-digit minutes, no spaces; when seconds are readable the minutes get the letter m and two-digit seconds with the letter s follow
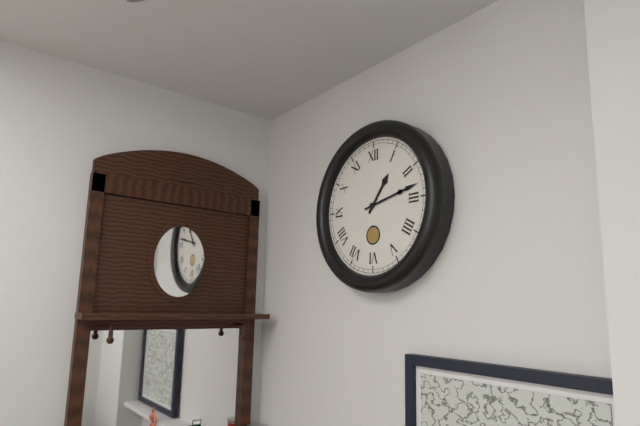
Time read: 1h13
